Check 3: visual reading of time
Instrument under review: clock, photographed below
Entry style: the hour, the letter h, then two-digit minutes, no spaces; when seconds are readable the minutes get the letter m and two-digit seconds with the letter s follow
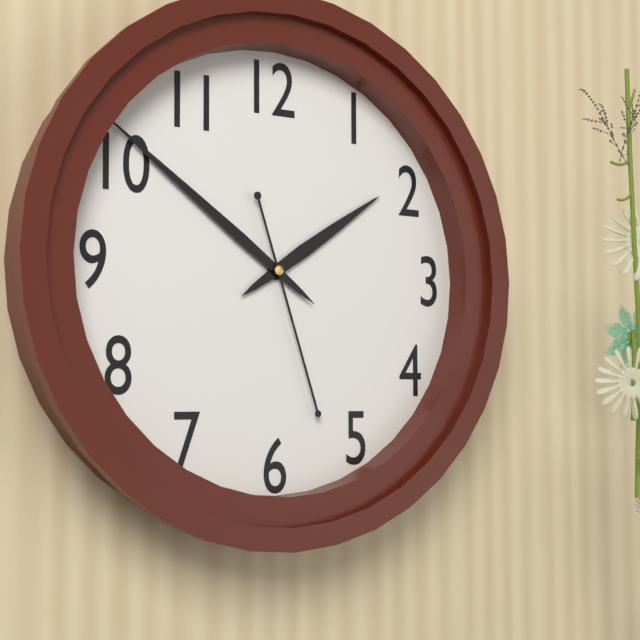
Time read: 1h51m27s
